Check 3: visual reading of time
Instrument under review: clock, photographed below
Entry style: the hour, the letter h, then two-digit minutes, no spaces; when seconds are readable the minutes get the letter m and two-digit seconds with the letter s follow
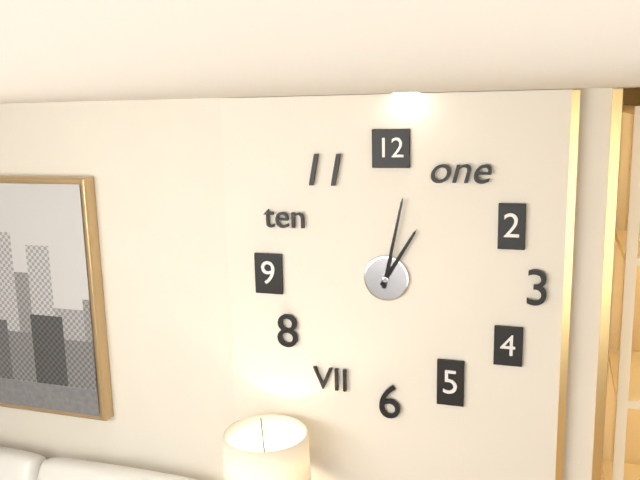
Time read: 1h02
